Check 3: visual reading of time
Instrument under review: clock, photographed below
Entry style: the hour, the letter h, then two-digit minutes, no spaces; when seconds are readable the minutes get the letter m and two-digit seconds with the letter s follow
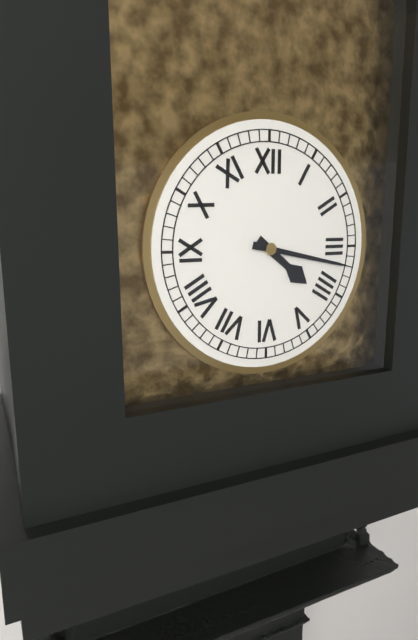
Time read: 4h17
